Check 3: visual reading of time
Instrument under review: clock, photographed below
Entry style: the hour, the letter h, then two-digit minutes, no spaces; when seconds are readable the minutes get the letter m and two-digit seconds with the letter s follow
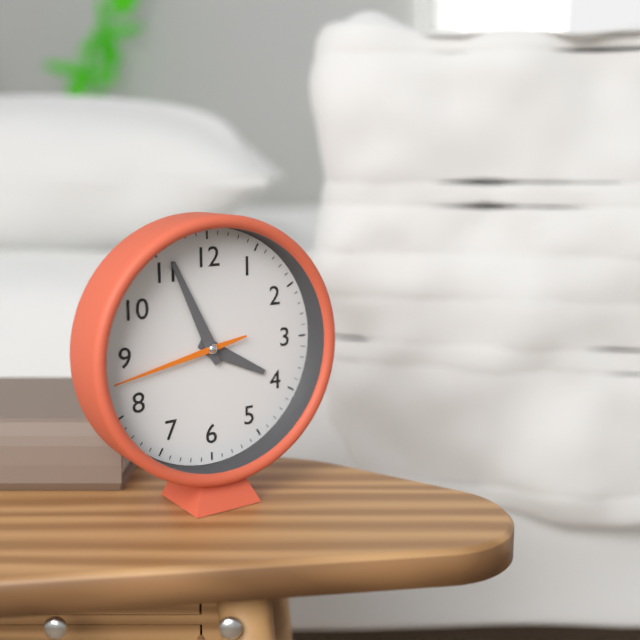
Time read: 3h56m43s
